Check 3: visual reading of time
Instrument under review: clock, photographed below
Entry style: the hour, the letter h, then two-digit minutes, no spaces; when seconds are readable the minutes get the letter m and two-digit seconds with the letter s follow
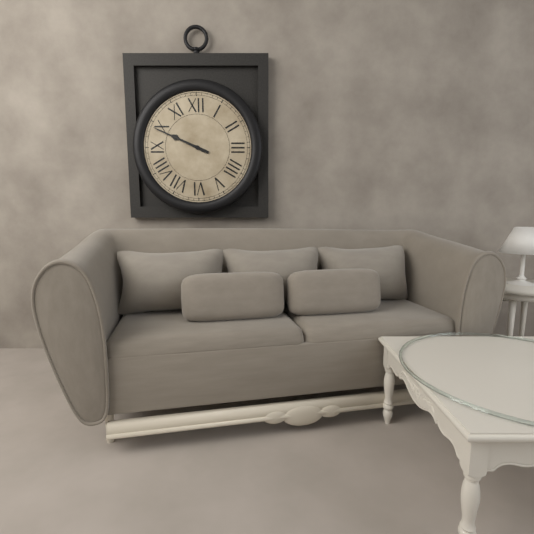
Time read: 9h49
